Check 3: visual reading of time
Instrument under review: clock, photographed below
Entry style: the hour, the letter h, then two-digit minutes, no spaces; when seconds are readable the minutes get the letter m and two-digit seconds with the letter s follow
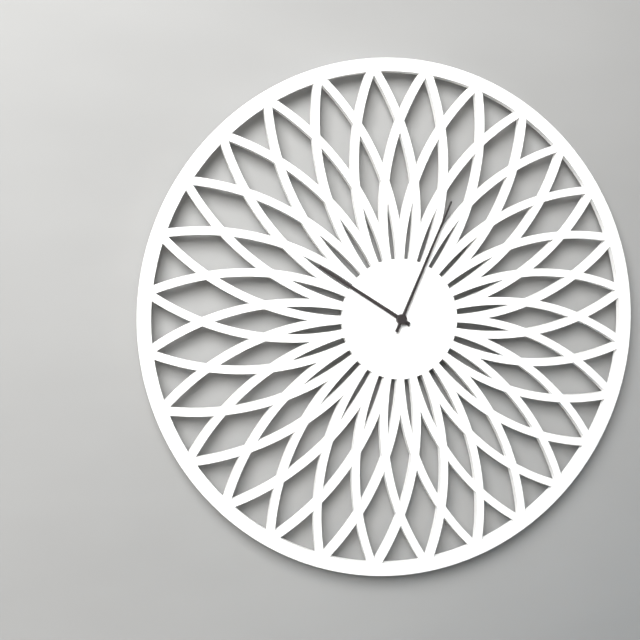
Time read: 10h04
